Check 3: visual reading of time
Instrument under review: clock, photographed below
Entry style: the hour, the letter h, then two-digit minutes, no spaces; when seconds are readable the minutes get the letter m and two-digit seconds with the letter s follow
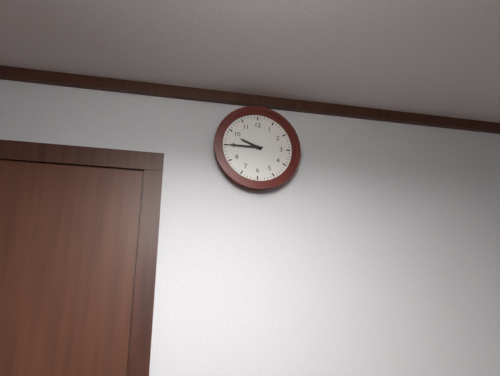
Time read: 9h45
